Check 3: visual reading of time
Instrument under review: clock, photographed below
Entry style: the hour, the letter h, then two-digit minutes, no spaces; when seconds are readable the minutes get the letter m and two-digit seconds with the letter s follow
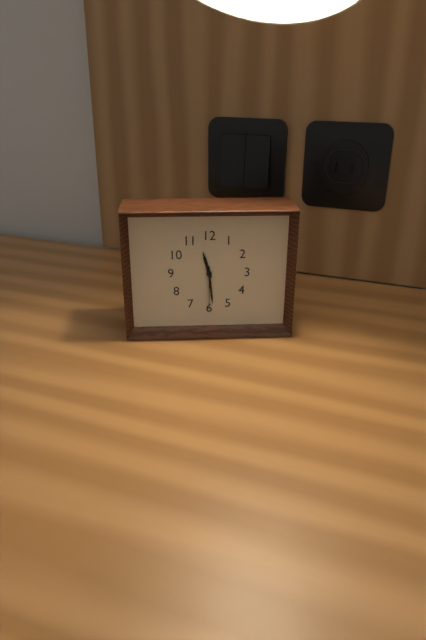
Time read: 11h29m30s
